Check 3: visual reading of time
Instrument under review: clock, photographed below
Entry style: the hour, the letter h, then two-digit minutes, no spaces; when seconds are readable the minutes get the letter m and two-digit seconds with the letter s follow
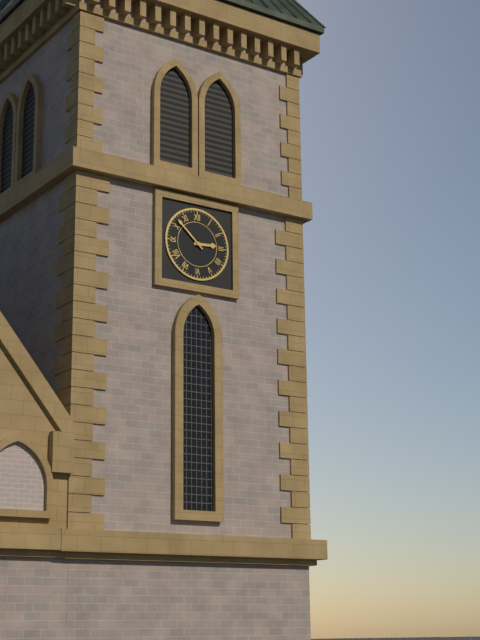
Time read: 2h52
